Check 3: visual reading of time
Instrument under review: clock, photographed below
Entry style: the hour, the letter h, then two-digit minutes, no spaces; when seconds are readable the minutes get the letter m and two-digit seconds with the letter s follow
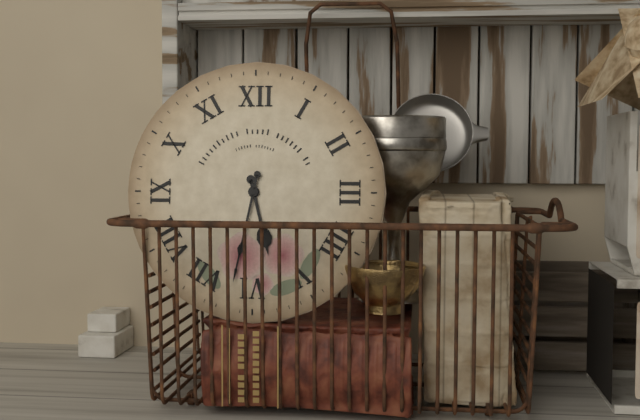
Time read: 5h32
